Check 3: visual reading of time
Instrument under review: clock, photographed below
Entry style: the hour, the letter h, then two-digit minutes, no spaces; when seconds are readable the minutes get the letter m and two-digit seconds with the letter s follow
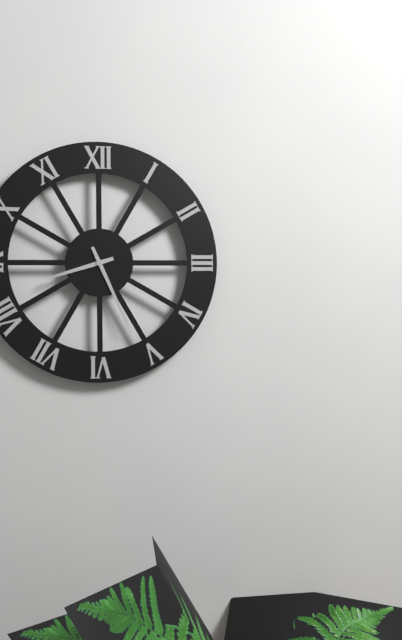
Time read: 8h26
